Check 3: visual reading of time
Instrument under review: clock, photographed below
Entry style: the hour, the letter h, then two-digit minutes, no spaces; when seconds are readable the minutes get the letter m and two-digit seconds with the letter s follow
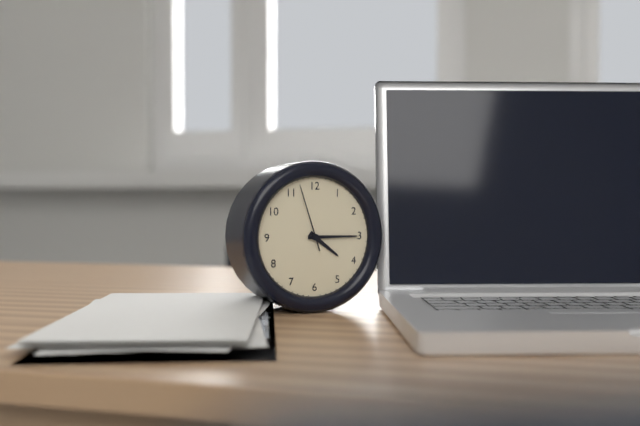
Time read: 4h15m57s
